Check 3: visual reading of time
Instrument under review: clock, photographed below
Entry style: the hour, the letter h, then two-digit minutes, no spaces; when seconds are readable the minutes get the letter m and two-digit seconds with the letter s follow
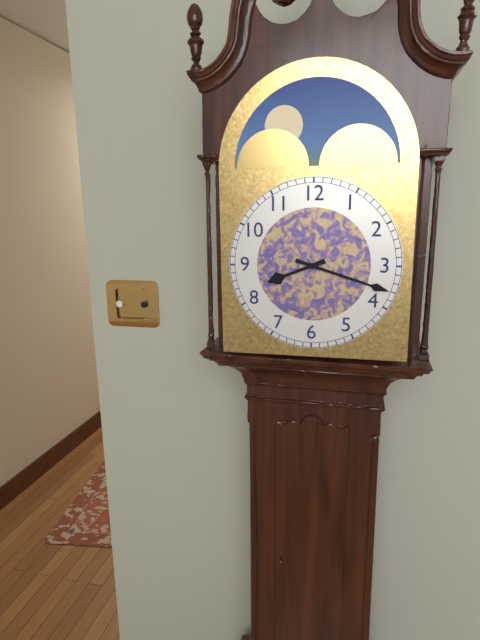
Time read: 8h18
